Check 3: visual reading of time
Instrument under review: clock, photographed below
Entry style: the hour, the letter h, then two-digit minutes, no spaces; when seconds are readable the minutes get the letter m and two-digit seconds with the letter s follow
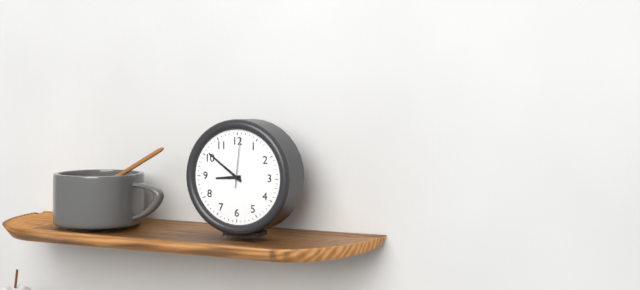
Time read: 8h51m01s
